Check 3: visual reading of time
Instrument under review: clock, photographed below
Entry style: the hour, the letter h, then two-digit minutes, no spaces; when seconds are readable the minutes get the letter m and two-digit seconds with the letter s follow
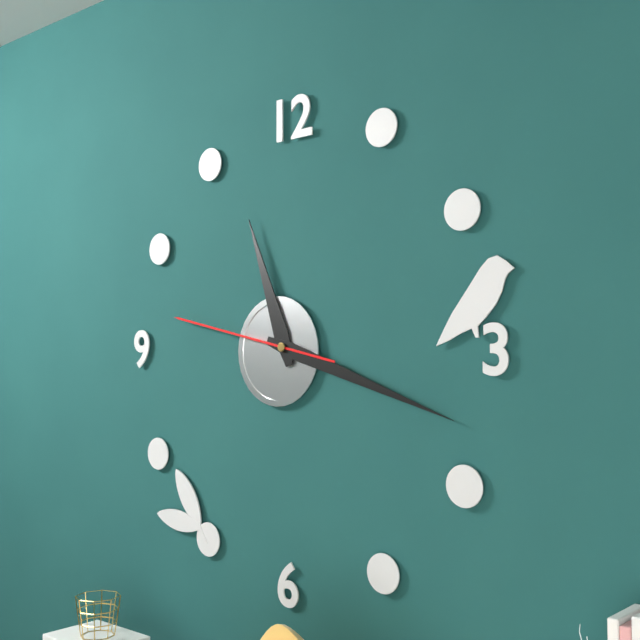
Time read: 11h18m47s
